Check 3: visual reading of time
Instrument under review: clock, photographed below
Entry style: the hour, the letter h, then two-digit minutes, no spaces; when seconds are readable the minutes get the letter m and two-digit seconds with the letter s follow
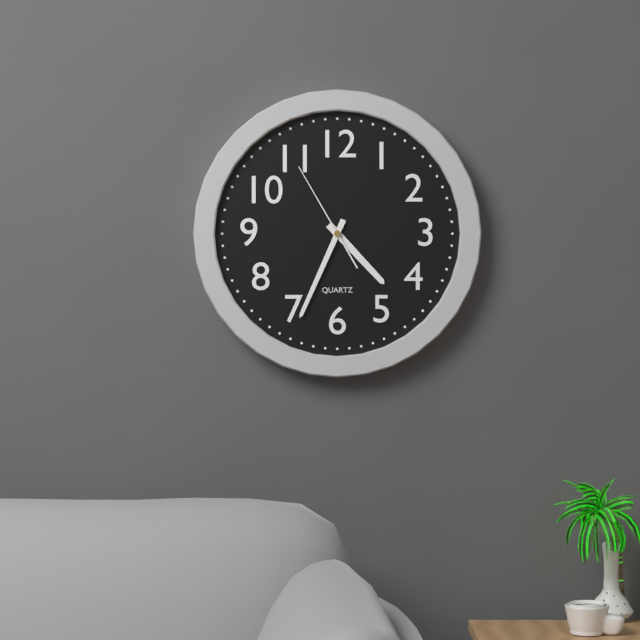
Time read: 4h34m55s
